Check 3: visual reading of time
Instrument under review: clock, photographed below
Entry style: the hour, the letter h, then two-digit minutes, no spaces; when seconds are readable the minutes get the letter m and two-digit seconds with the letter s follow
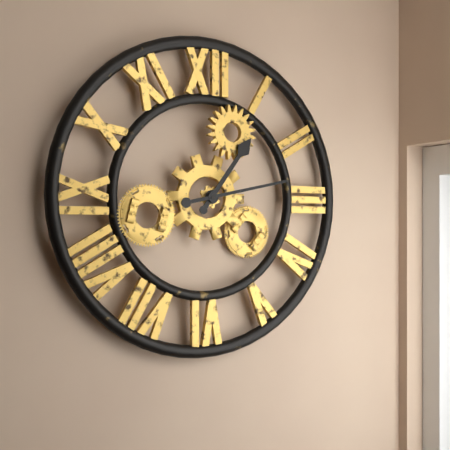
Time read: 1h13
